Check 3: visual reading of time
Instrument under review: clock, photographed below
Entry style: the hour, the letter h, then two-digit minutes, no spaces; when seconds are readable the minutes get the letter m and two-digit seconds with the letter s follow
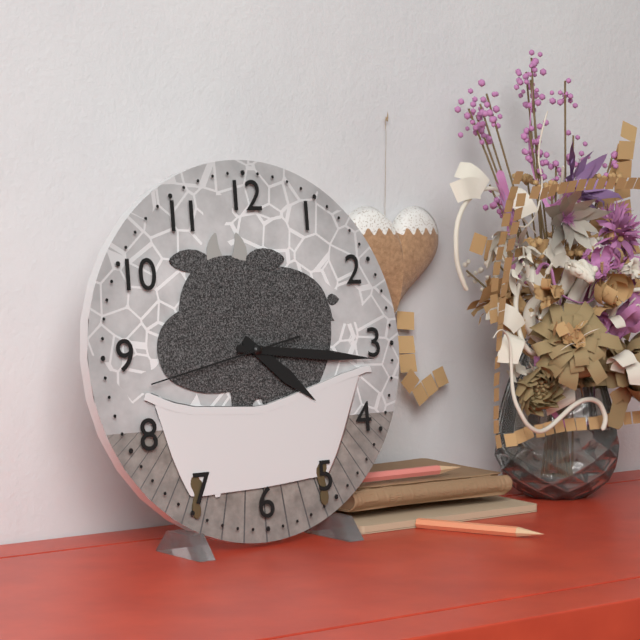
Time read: 4h16m43s
